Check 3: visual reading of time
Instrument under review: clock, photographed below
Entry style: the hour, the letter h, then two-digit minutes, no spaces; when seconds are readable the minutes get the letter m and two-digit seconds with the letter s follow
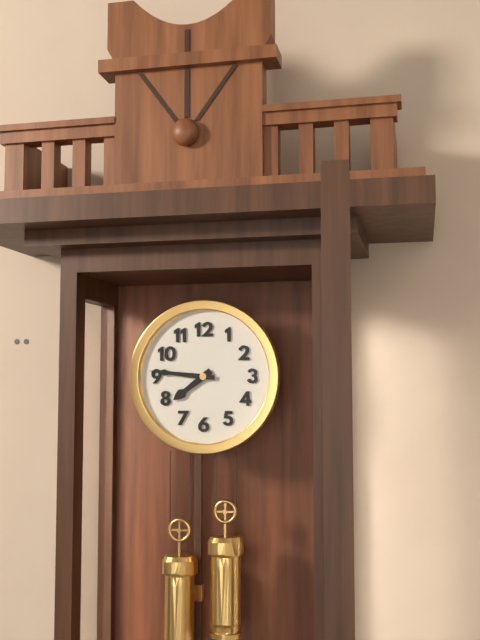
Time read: 7h46
